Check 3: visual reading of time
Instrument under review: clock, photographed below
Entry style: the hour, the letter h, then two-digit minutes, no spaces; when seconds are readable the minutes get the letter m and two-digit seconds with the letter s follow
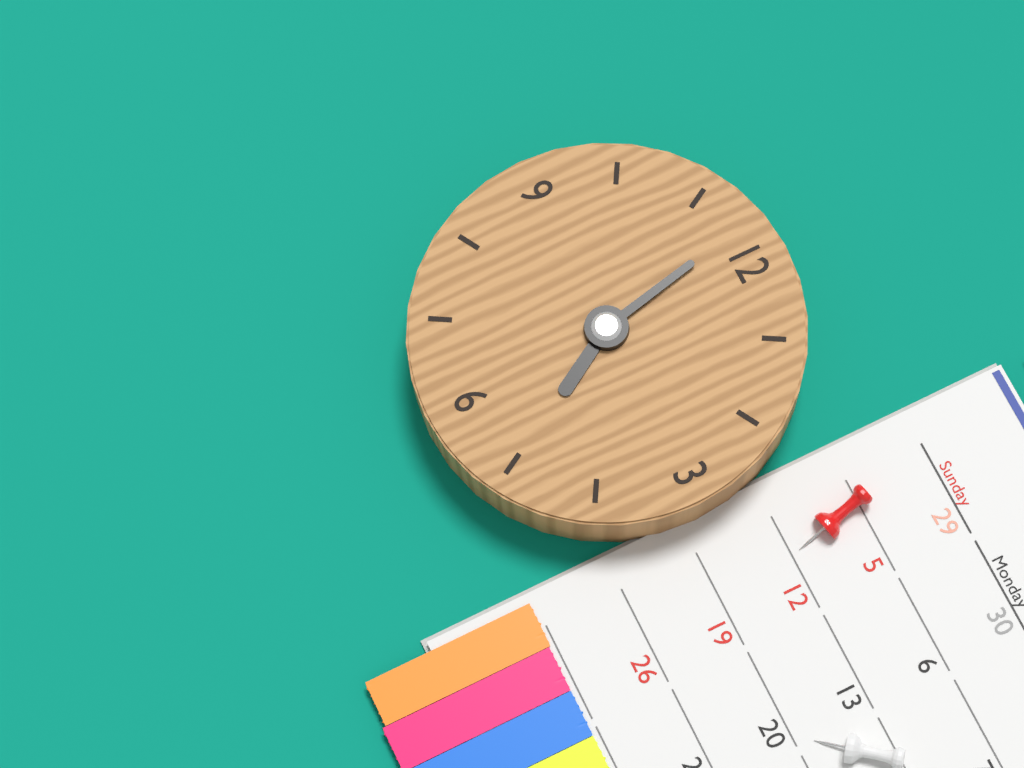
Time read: 4h58
